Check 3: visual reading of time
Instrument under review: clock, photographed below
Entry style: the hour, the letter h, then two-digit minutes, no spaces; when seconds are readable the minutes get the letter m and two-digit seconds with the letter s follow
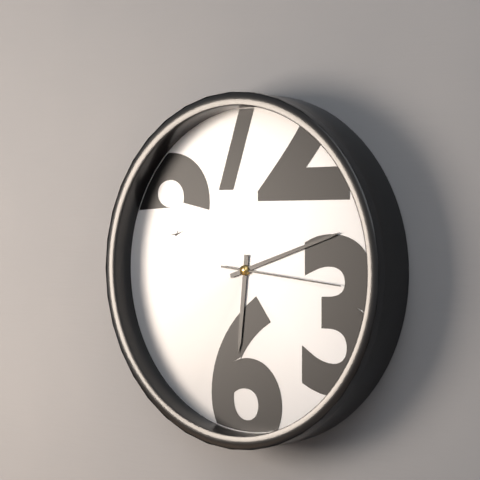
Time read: 6h12m16s
